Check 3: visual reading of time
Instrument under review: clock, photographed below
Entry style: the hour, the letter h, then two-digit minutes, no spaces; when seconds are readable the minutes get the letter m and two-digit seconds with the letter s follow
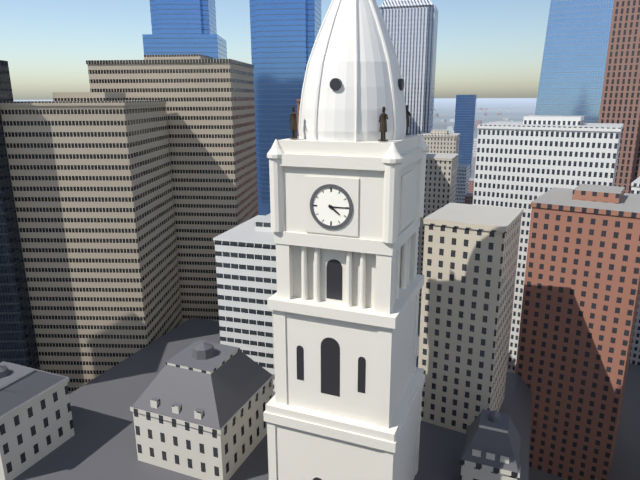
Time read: 4h15
